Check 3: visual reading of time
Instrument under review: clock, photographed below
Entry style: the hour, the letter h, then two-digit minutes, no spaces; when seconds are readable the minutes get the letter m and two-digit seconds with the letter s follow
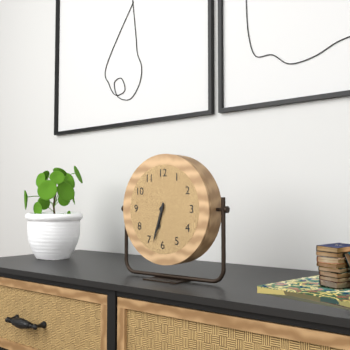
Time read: 6h33
